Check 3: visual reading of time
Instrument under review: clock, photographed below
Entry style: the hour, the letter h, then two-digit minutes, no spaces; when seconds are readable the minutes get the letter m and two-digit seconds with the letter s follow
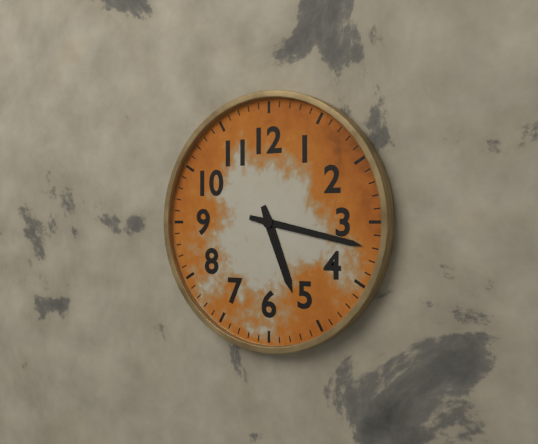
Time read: 5h17
